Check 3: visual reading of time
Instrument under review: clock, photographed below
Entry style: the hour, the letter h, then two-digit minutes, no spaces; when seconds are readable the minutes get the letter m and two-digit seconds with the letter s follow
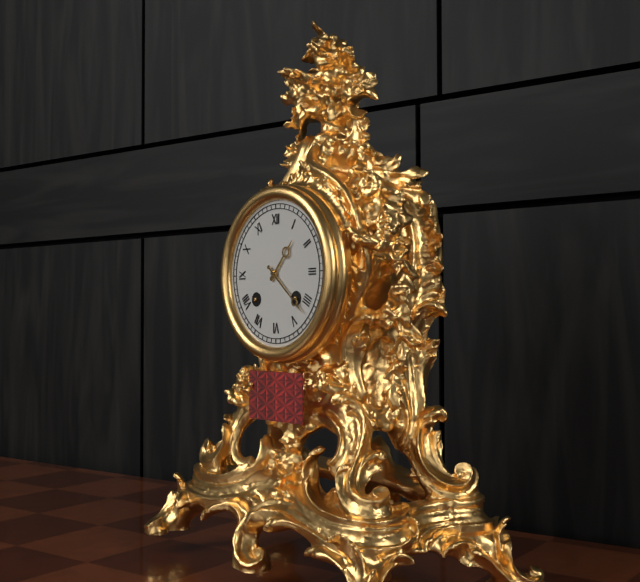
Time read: 1h22
